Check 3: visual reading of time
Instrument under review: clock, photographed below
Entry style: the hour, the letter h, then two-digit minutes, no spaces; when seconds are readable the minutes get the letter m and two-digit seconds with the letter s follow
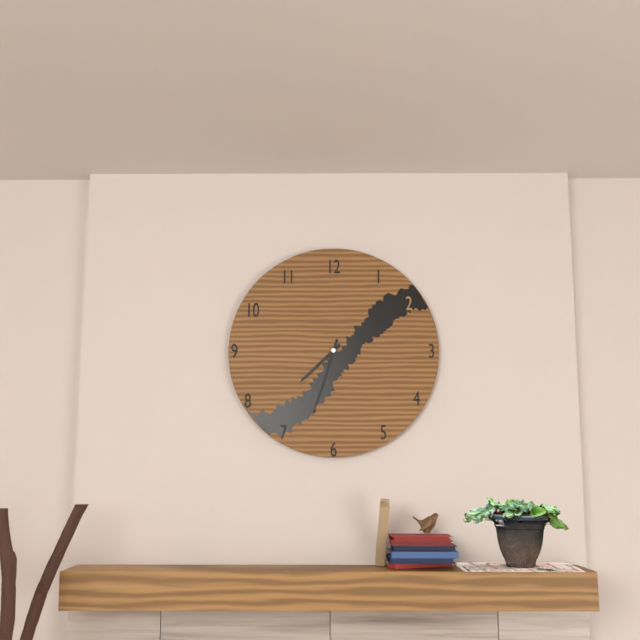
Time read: 7h33
